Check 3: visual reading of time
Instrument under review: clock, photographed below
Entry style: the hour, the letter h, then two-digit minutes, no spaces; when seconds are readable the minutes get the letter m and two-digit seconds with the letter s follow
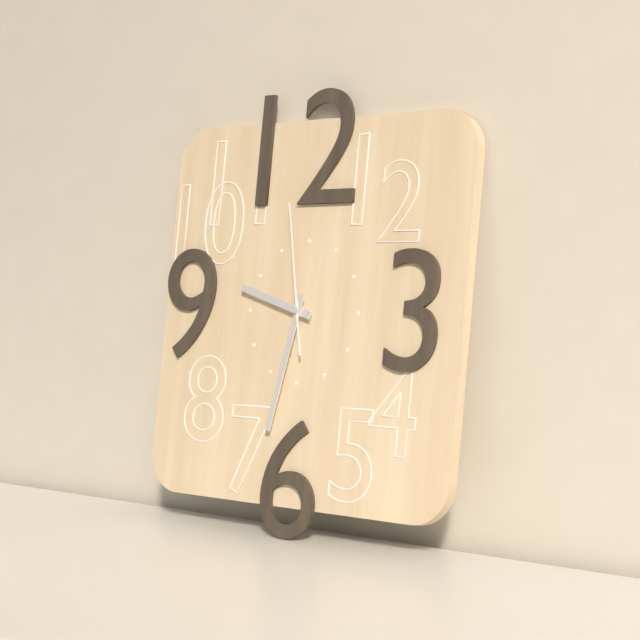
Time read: 9h32m58s
